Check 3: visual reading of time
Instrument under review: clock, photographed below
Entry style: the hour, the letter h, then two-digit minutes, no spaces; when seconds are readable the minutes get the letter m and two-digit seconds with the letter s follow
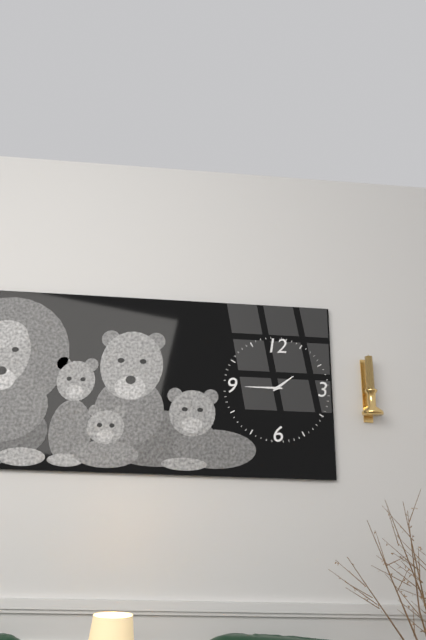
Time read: 1h45
